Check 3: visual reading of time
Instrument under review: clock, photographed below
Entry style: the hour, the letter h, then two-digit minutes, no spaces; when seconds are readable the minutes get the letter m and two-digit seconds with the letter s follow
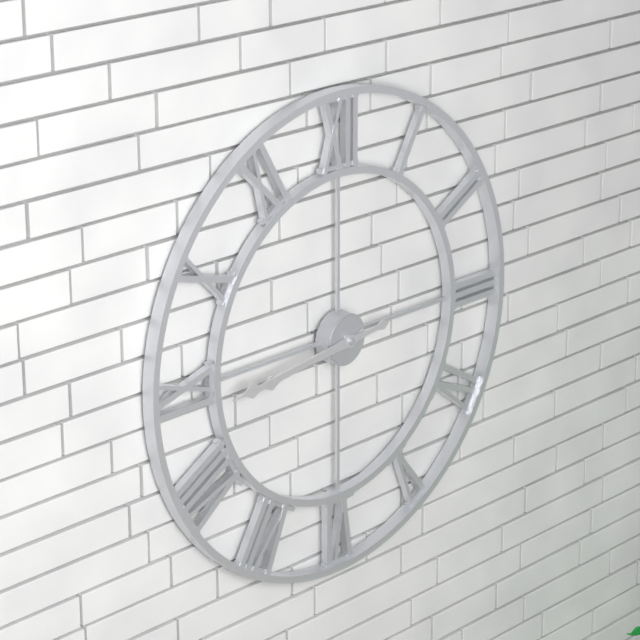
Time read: 8h44
